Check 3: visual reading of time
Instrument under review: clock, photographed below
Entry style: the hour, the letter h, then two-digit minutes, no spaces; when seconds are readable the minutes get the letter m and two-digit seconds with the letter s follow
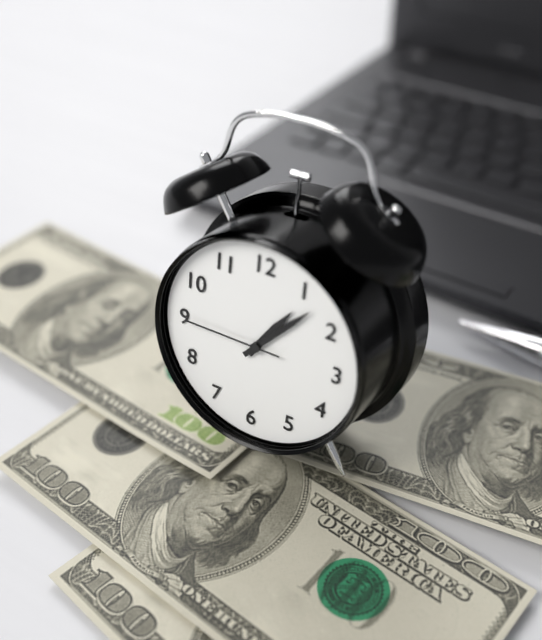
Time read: 1h07m45s
